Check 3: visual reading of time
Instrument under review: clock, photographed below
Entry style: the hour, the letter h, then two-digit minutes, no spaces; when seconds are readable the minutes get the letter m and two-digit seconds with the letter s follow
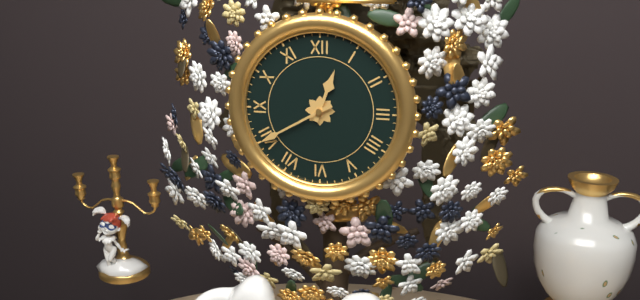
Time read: 12h40
